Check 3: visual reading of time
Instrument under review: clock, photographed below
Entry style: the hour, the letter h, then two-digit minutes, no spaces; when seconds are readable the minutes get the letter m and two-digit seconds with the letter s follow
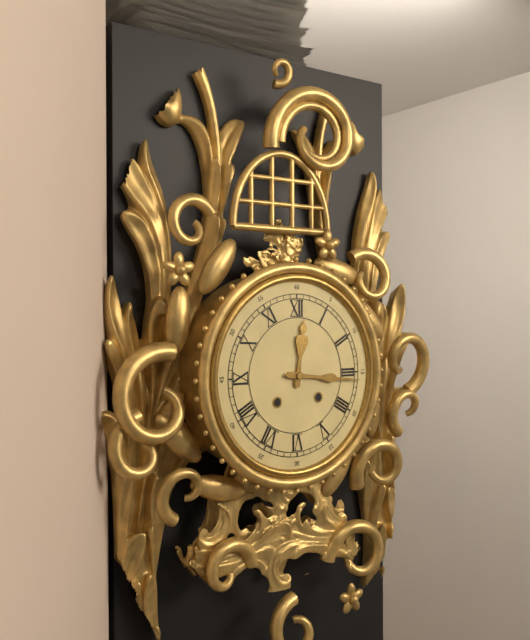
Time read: 12h16
